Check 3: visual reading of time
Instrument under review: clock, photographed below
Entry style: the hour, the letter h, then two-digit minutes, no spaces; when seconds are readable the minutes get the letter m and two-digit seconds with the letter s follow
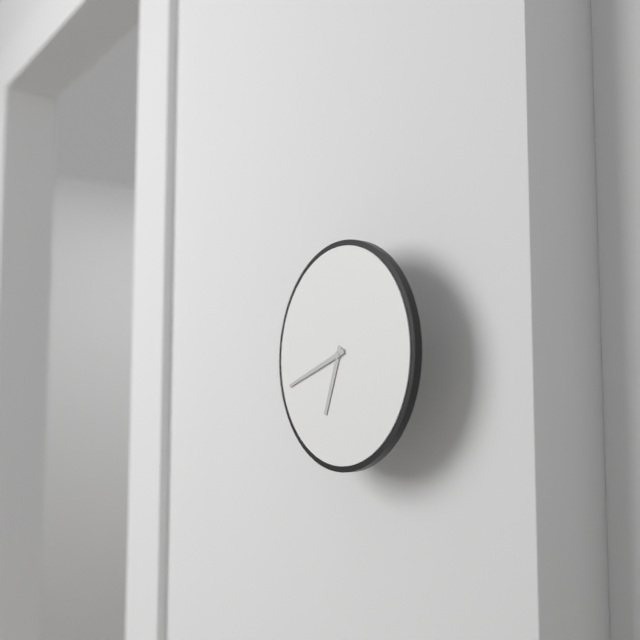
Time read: 6h42
